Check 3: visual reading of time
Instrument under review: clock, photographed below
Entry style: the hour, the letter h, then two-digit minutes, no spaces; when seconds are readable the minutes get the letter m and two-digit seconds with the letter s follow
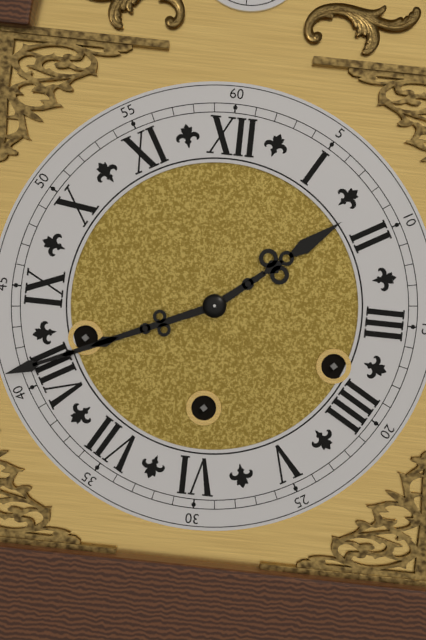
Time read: 1h41
